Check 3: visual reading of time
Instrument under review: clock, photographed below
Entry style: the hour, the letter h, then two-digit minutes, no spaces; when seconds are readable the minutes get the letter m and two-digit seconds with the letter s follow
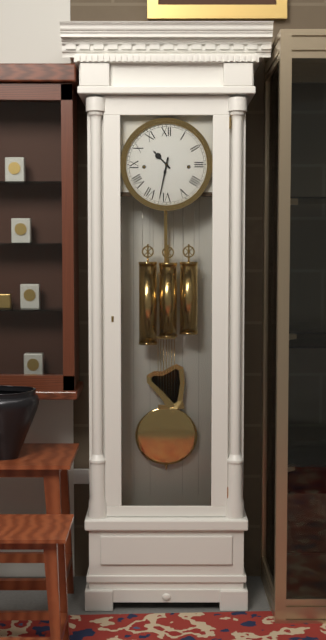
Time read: 10h32
